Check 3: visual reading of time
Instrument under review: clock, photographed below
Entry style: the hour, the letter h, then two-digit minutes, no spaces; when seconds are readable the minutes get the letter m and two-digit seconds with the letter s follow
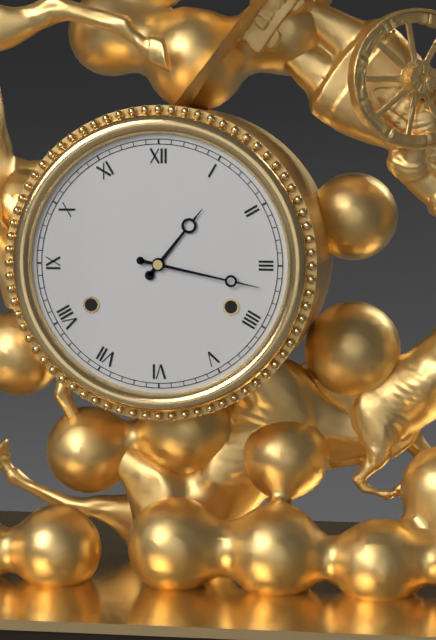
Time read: 1h17
